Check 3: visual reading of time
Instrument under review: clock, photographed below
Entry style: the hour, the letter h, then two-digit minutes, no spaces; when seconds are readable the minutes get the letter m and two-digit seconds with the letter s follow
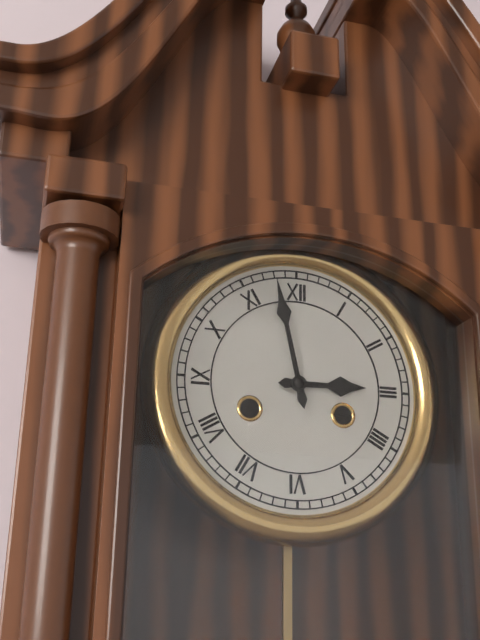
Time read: 2h58
